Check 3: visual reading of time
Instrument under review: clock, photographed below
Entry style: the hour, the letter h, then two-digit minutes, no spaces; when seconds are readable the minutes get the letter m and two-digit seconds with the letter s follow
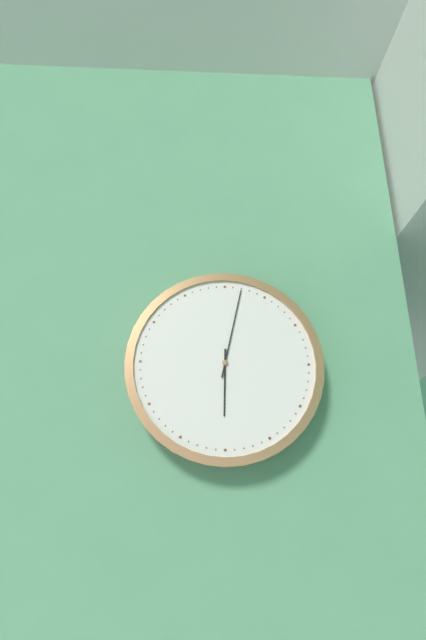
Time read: 6h02
